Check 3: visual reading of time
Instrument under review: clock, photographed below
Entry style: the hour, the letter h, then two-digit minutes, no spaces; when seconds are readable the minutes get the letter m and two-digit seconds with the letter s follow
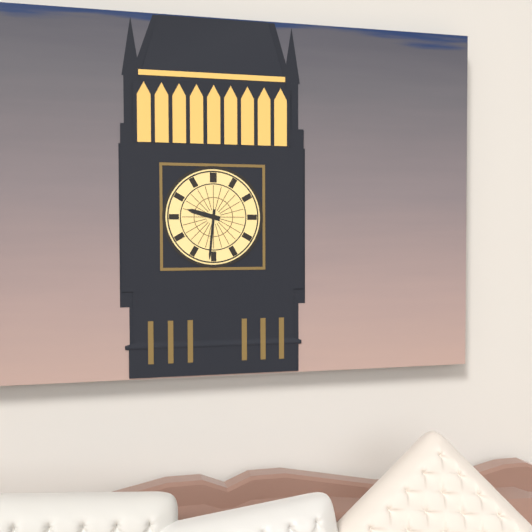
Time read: 9h31
